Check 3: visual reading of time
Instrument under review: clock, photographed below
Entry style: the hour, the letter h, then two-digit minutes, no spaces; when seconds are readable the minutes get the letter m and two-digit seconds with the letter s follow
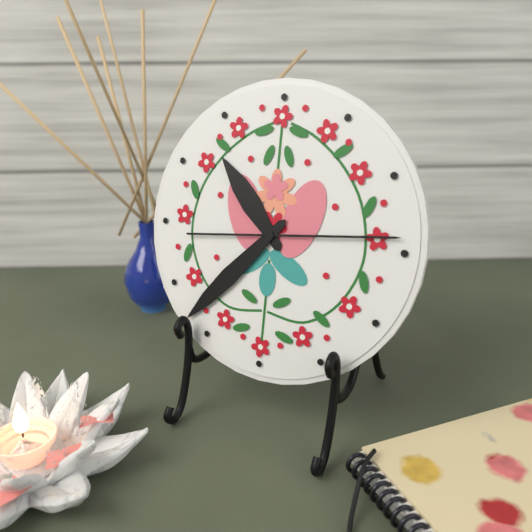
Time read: 10h37m14s
